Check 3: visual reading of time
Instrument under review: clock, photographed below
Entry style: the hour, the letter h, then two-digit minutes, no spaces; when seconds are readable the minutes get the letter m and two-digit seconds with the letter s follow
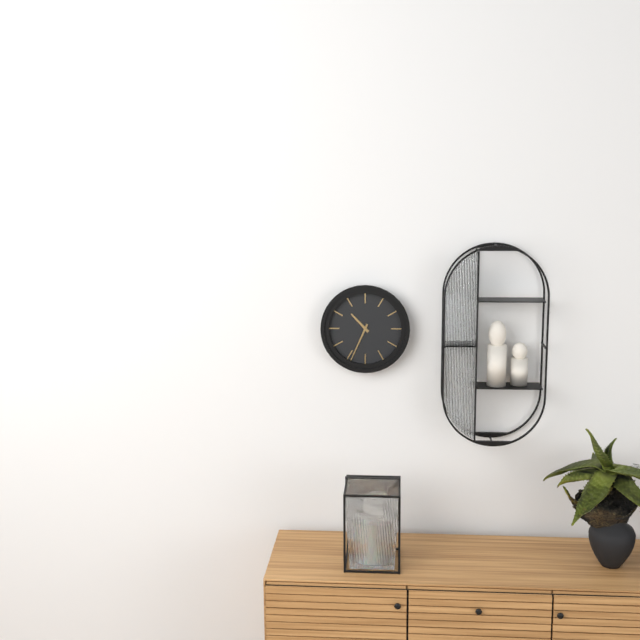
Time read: 10h34
